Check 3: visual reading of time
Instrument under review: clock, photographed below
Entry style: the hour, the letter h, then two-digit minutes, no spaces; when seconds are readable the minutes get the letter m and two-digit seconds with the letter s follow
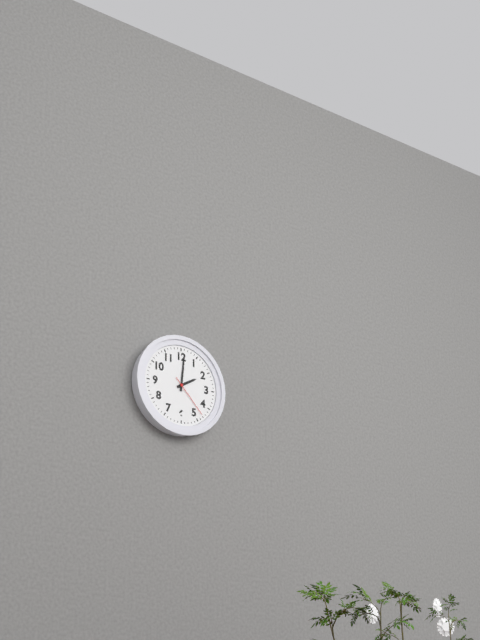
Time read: 2h01
